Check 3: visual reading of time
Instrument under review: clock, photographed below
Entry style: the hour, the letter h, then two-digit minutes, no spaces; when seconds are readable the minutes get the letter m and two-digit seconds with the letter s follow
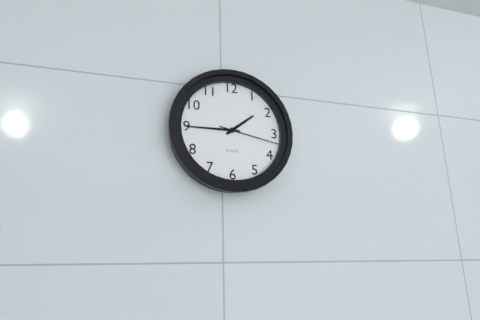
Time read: 1h45m17s
